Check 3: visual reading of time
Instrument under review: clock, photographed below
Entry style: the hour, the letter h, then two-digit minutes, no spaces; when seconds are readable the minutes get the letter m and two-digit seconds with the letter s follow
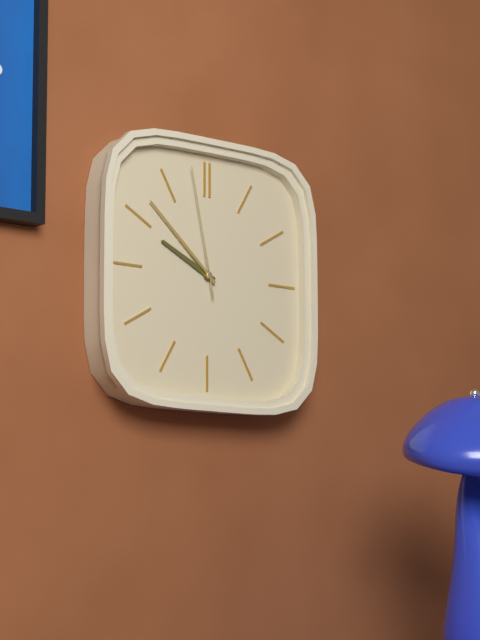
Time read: 9h52m58s
